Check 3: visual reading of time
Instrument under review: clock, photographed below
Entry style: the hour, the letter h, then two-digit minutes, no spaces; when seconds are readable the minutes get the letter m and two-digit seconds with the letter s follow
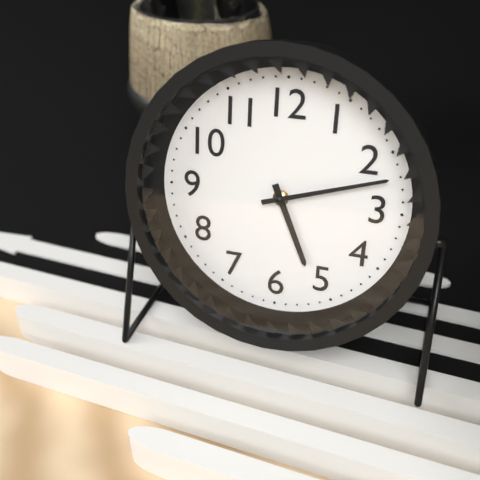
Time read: 5h12
